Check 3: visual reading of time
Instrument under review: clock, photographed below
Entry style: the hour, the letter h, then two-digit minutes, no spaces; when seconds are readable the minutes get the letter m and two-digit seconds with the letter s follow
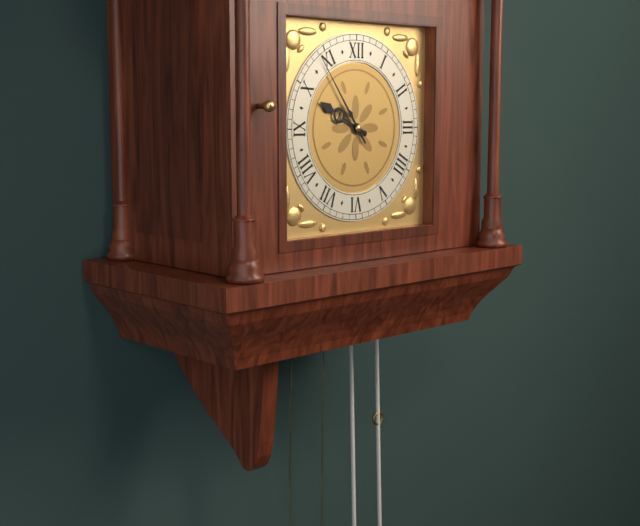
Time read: 9h54
